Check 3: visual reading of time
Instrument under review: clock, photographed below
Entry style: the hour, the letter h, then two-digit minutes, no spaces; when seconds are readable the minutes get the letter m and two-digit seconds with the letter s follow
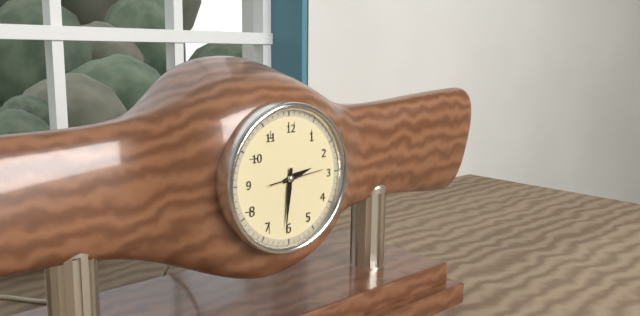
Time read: 2h31
